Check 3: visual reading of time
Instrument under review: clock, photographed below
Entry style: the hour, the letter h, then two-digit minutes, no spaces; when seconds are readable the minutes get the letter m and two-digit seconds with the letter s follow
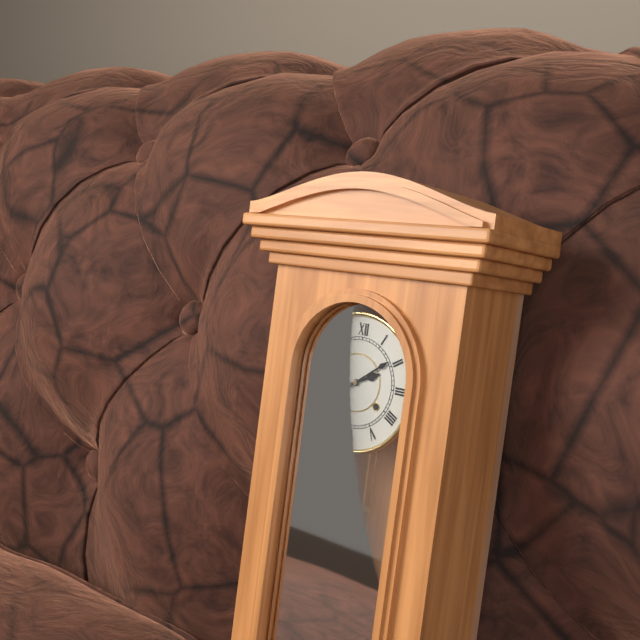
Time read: 2h09
